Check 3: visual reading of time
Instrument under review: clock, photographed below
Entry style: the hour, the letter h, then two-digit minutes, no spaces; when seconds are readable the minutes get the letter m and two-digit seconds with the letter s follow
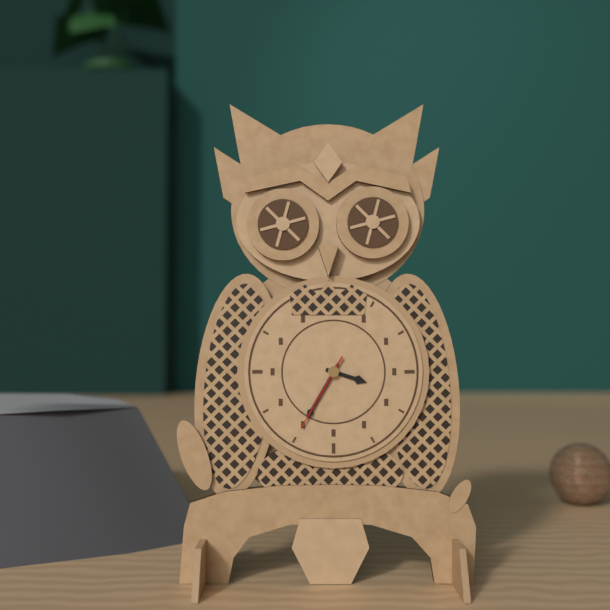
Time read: 3h35m35s
